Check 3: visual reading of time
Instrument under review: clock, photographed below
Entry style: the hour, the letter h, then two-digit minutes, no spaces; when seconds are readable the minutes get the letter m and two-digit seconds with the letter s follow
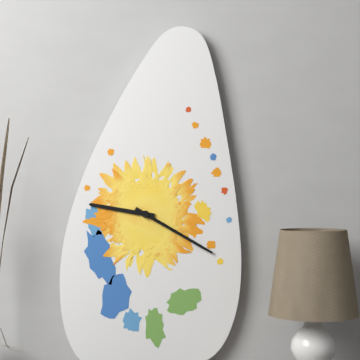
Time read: 9h20
